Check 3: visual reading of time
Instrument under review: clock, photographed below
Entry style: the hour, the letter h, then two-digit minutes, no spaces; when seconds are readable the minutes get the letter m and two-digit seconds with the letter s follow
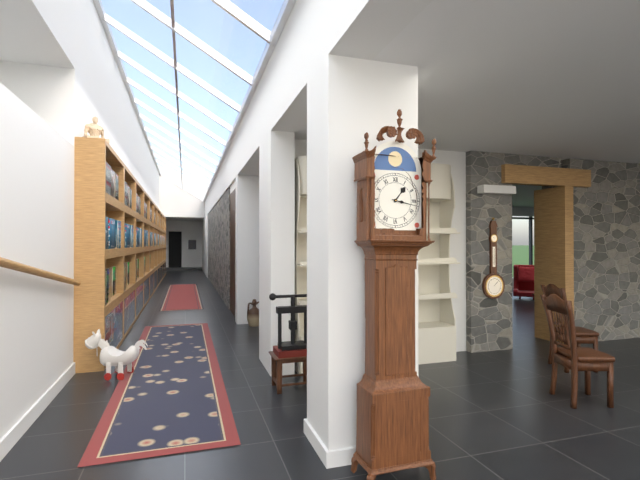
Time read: 1h17
